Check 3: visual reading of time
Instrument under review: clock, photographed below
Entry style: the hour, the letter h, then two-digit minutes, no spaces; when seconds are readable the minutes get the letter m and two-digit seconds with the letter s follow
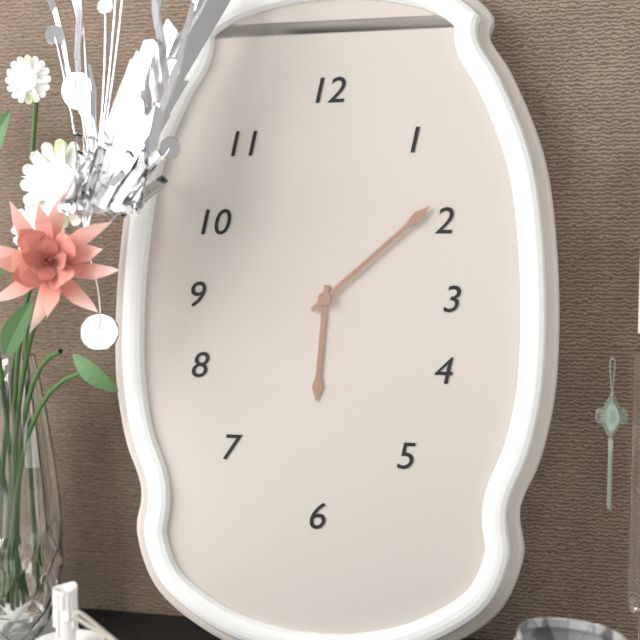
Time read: 6h08
